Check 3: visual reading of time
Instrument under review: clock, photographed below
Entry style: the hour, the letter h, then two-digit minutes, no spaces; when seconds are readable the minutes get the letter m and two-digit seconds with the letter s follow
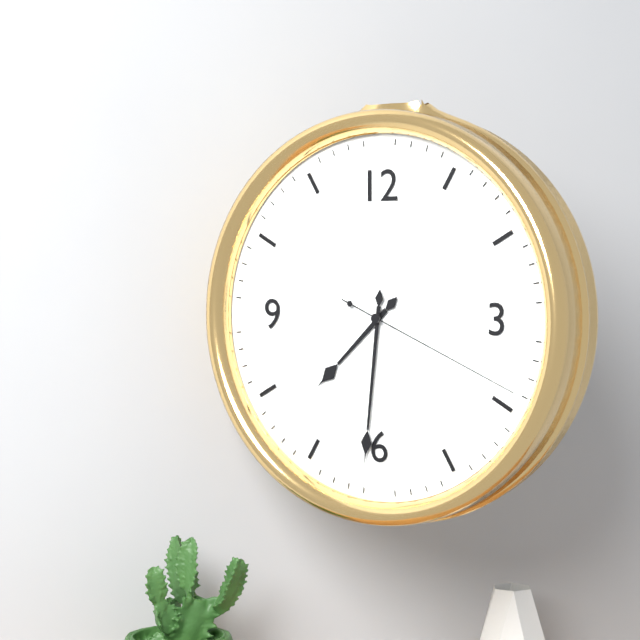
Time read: 7h31m19s
